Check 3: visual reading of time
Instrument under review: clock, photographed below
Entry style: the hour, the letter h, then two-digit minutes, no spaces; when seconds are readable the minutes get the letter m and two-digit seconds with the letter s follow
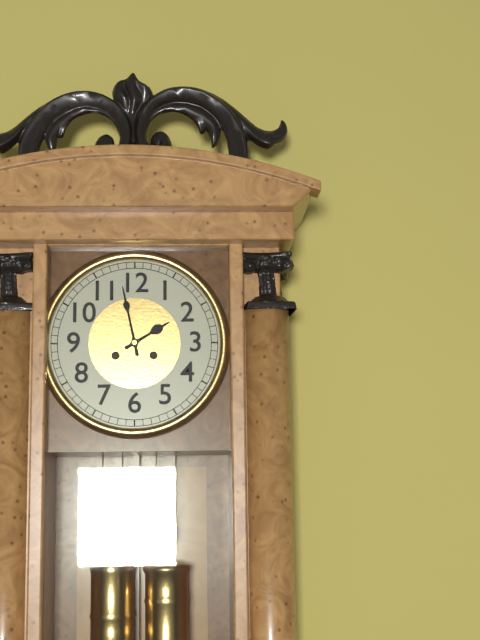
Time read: 1h58
